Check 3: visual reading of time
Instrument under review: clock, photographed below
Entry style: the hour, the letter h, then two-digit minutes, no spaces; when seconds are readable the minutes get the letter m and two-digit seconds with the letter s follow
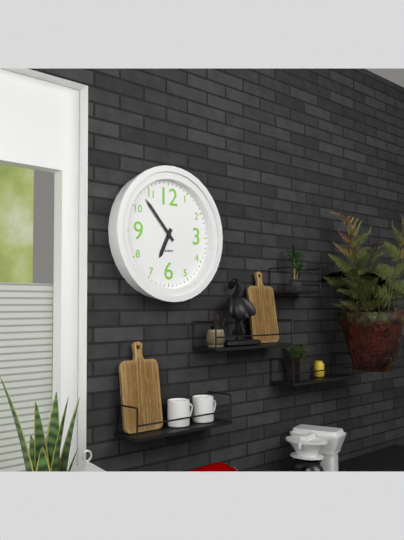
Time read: 6h53
